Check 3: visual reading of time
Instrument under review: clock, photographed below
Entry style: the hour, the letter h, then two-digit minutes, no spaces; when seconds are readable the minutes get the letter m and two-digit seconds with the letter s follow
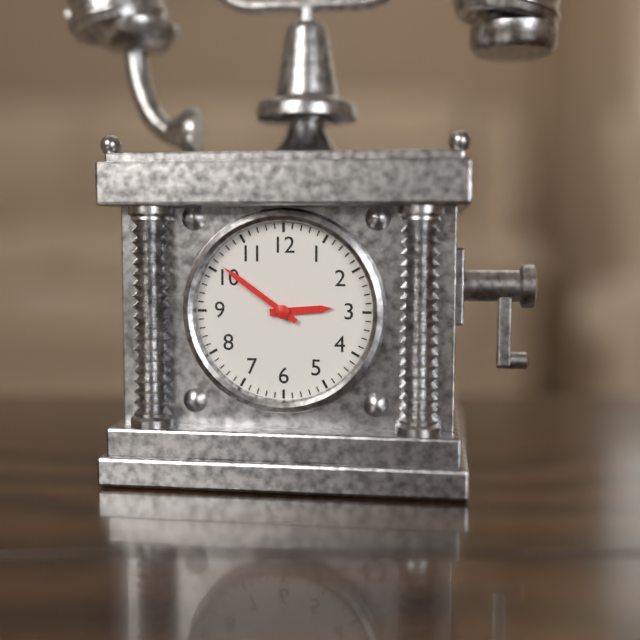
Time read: 2h51
